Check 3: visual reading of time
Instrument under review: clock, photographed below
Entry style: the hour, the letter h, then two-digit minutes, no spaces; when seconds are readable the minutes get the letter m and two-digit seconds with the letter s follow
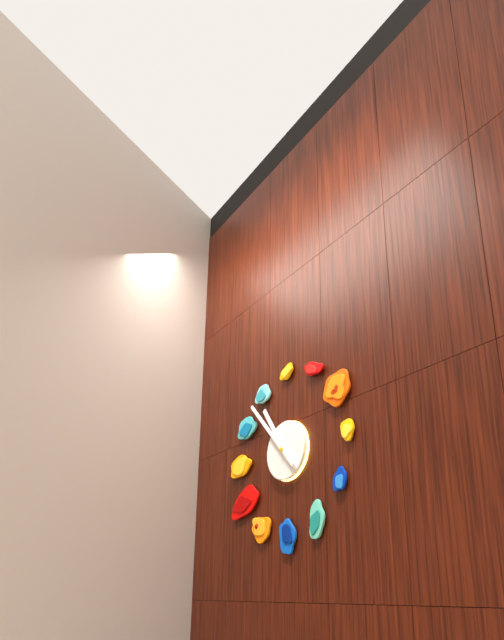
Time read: 10h53
